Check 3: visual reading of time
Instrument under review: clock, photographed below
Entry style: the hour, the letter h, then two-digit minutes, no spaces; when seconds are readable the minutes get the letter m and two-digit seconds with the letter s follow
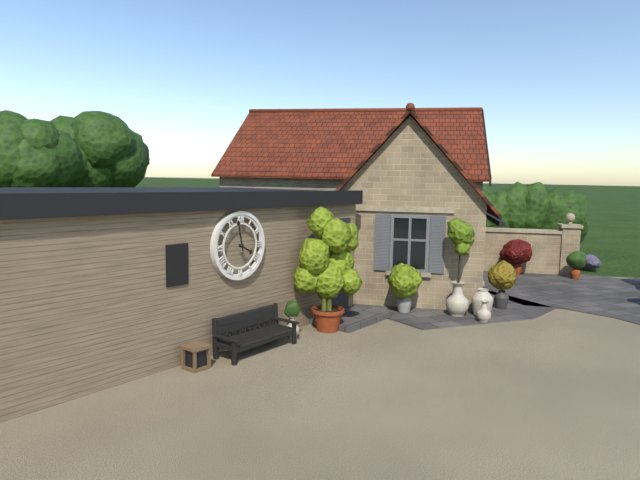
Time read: 3h58
